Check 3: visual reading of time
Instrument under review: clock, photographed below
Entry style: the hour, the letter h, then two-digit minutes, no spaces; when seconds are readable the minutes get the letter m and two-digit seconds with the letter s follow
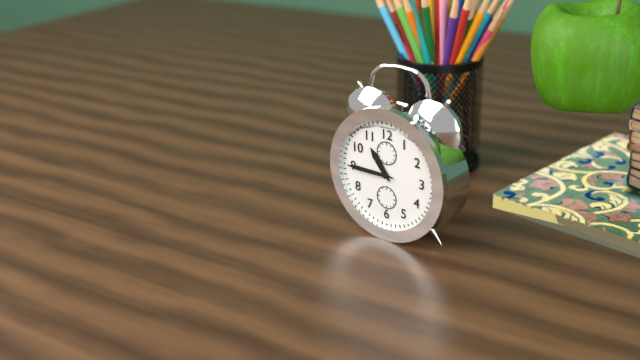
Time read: 10h45
